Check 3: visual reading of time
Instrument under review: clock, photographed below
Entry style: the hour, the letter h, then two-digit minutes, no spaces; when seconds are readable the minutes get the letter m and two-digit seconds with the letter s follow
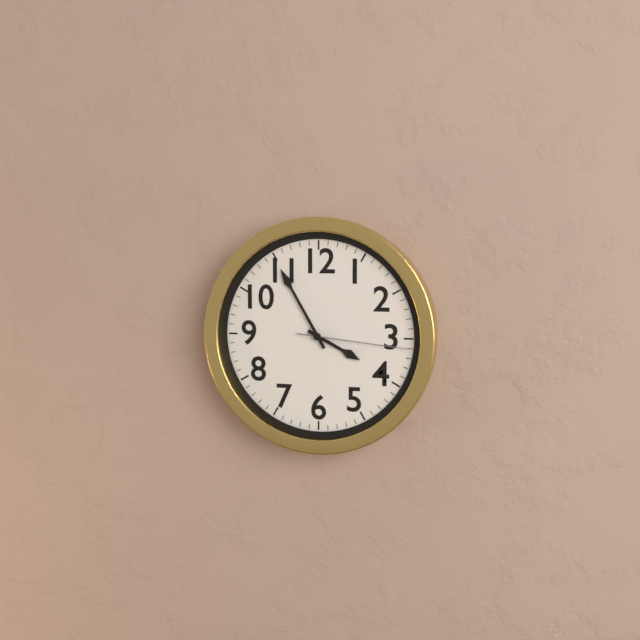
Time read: 3h55m16s
